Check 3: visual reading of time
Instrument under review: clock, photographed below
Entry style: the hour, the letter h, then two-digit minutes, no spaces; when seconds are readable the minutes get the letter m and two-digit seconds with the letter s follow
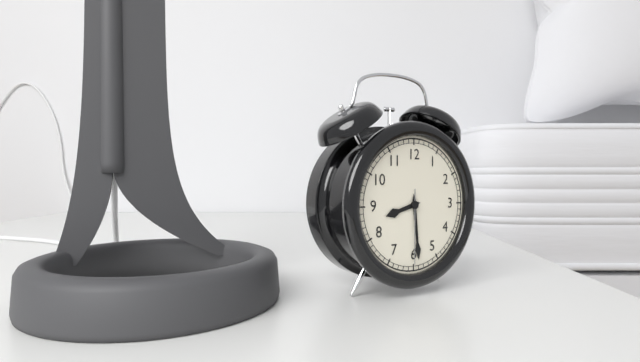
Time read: 8h29m30s
